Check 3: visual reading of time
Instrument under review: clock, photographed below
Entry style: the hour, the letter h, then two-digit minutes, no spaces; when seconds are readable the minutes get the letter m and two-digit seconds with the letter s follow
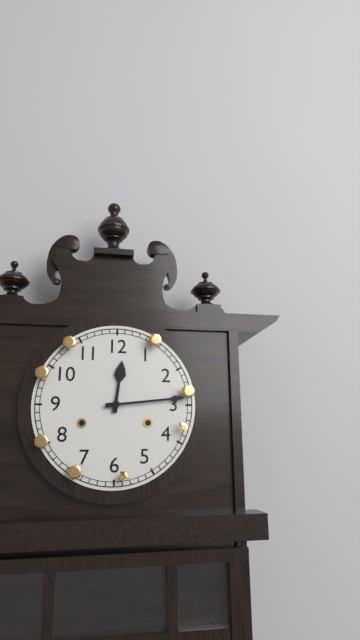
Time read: 12h14
